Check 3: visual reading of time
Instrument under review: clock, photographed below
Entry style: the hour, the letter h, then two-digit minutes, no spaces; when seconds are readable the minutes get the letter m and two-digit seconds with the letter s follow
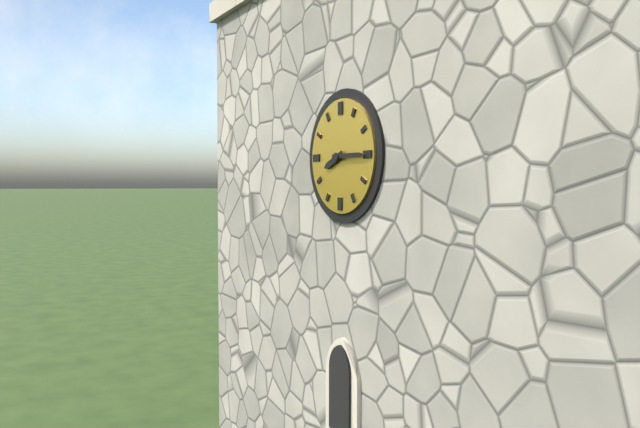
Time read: 8h15
